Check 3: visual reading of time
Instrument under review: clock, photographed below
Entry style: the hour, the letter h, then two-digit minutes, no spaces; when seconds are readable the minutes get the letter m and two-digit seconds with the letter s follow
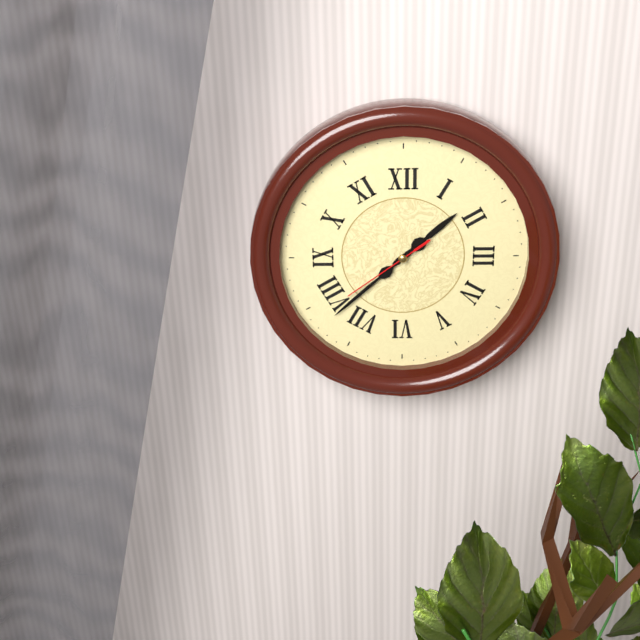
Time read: 1h38m39s
